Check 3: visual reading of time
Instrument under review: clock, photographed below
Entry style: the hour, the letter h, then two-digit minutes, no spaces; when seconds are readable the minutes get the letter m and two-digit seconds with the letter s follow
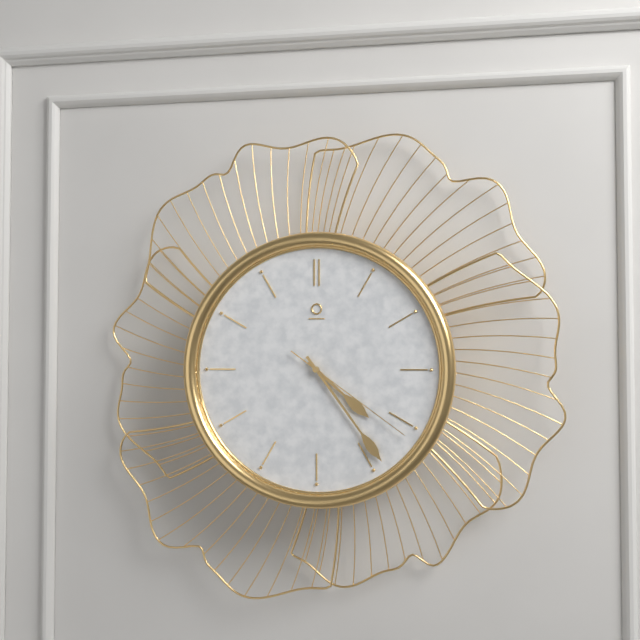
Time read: 4h24m21s
